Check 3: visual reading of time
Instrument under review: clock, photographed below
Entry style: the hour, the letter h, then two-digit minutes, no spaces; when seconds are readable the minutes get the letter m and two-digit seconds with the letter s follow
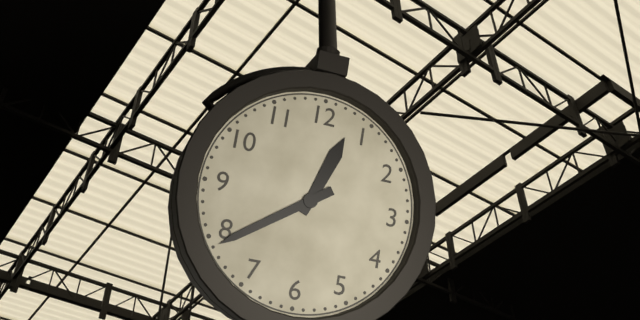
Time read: 12h39
